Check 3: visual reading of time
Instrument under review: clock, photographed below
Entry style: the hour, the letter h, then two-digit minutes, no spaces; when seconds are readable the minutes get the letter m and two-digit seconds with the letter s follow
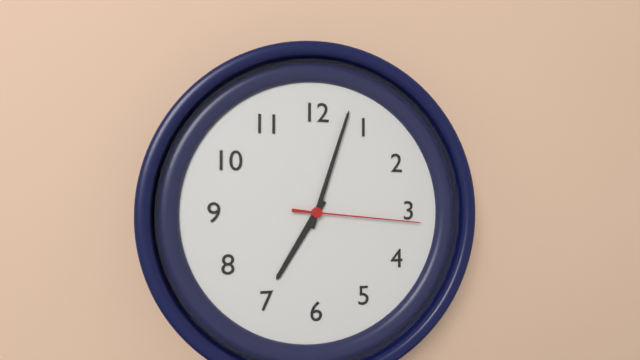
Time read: 7h03m16s
